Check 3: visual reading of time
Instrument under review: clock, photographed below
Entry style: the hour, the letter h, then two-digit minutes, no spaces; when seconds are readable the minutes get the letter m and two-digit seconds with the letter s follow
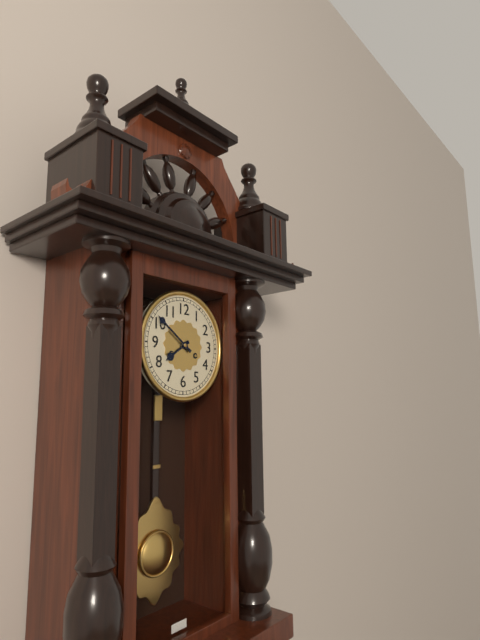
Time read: 7h51
